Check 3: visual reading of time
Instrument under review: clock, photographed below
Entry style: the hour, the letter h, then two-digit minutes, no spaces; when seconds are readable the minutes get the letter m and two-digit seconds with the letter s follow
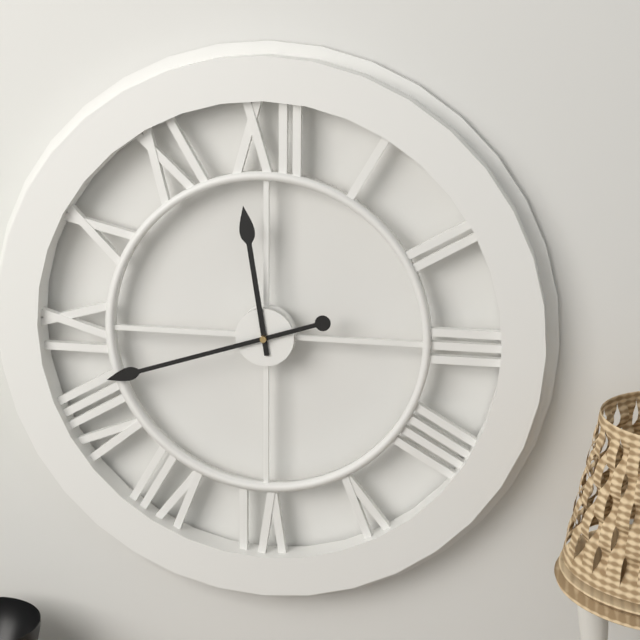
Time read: 11h42
